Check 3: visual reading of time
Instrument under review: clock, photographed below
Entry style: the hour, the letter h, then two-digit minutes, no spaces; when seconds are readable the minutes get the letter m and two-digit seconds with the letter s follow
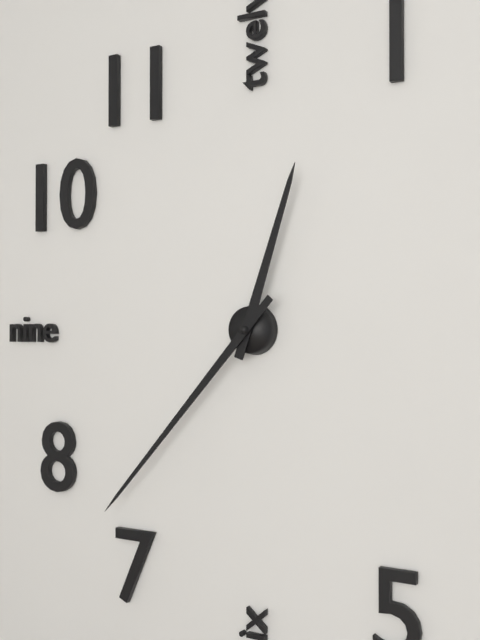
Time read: 12h37
